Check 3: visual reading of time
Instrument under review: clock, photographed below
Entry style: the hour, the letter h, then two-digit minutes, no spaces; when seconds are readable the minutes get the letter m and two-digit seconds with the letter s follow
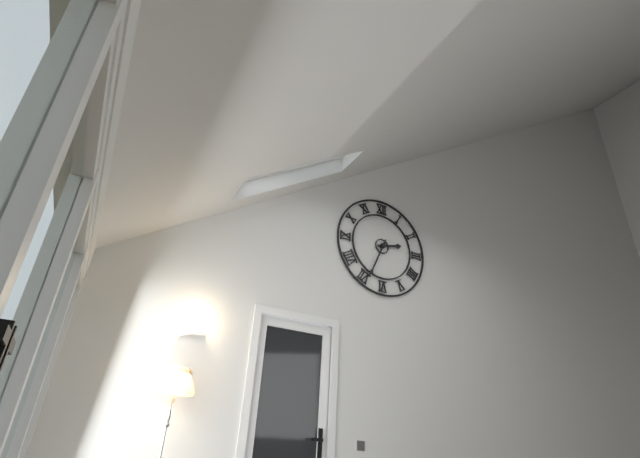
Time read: 2h34
